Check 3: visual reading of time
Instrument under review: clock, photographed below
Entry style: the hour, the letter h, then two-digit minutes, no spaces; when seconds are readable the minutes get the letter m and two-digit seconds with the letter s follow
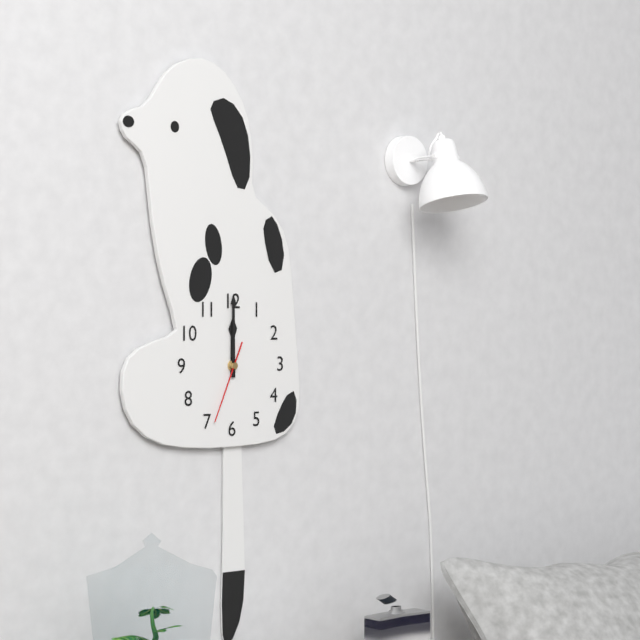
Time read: 12h00m34s
